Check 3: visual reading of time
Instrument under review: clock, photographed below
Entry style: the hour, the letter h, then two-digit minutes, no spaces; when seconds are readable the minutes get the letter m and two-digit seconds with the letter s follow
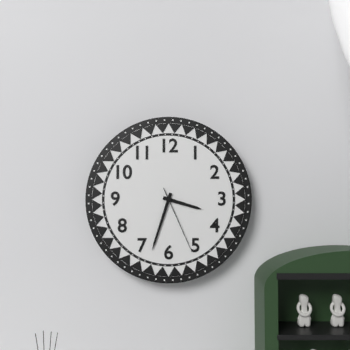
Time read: 3h33m26s
